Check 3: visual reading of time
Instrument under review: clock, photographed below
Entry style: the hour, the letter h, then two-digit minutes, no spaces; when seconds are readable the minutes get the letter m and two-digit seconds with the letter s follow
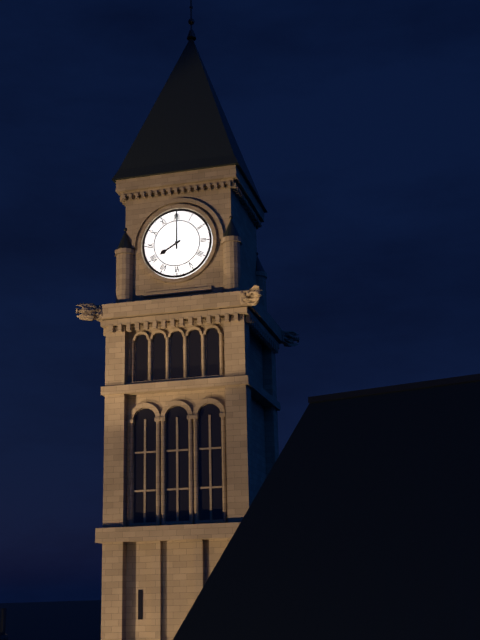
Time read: 8h00
